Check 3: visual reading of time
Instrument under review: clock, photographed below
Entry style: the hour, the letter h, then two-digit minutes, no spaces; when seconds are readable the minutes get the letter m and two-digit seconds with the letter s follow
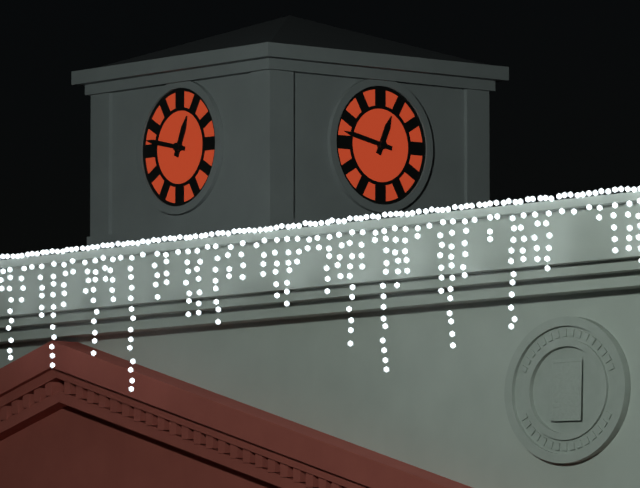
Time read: 12h47
